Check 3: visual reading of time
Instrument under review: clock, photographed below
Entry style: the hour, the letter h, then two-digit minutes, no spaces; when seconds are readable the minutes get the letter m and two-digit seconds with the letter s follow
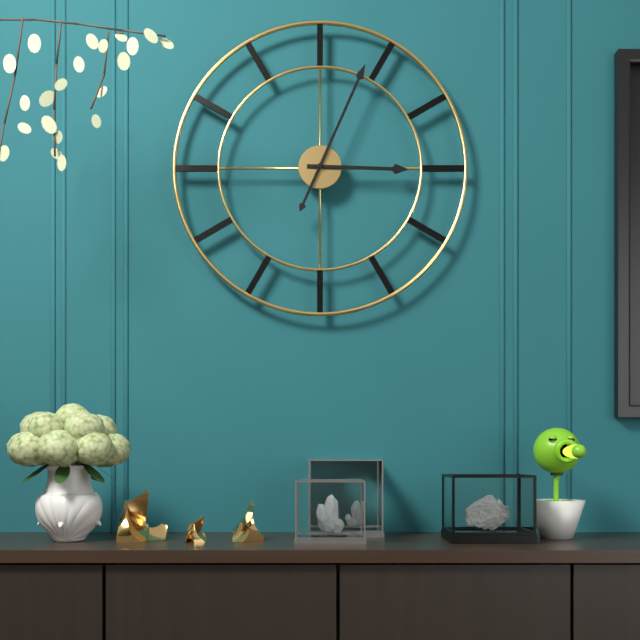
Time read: 3h04
